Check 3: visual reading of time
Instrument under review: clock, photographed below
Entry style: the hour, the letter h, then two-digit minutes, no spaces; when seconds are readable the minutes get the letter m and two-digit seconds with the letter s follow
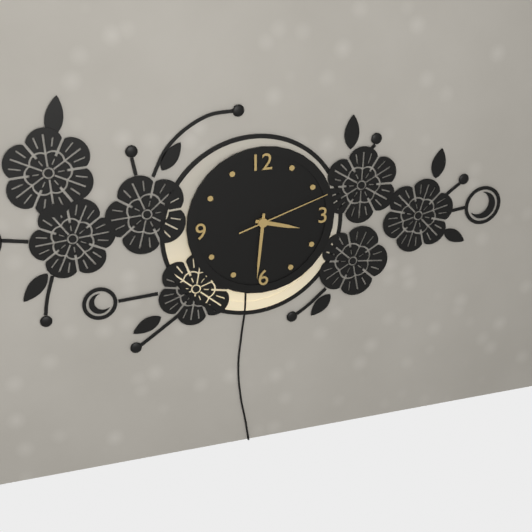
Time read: 3h31m12s
